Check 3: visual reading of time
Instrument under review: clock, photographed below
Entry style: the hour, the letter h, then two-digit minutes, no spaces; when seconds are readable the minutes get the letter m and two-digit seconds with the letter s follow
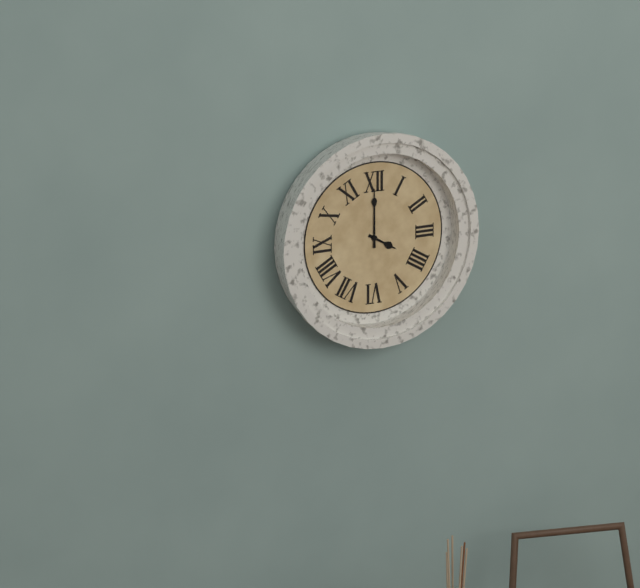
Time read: 4h00
